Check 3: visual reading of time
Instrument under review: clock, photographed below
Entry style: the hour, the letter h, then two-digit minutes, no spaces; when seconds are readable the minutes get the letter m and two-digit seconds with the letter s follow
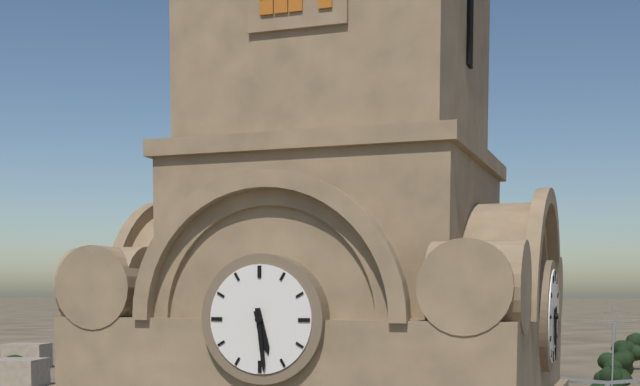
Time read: 5h29
